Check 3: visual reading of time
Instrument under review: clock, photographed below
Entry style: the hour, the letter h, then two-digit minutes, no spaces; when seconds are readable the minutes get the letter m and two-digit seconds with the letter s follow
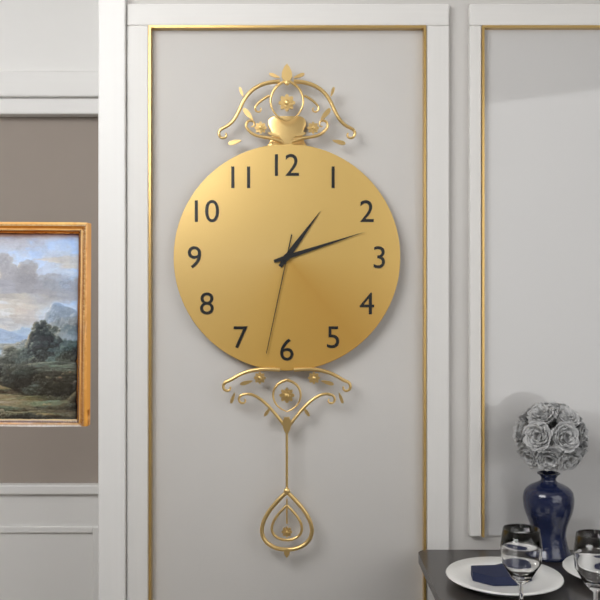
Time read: 1h12m32s
